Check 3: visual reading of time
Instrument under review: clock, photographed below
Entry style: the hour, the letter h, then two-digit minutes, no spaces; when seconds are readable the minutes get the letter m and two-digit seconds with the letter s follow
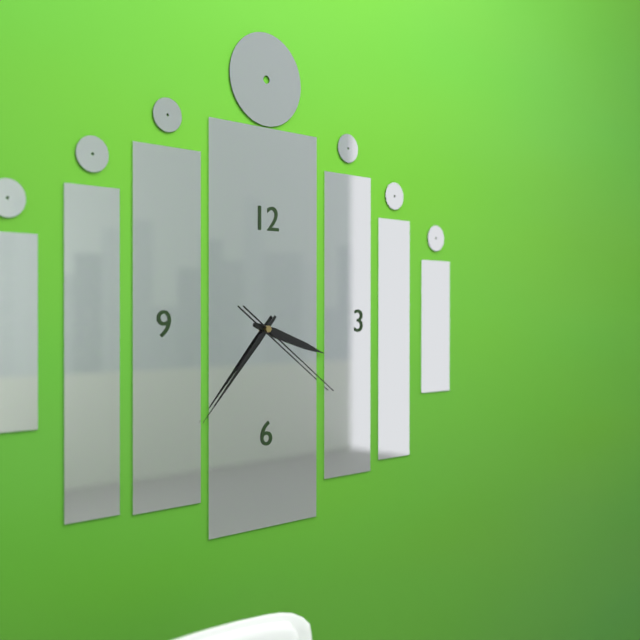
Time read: 3h37m21s
